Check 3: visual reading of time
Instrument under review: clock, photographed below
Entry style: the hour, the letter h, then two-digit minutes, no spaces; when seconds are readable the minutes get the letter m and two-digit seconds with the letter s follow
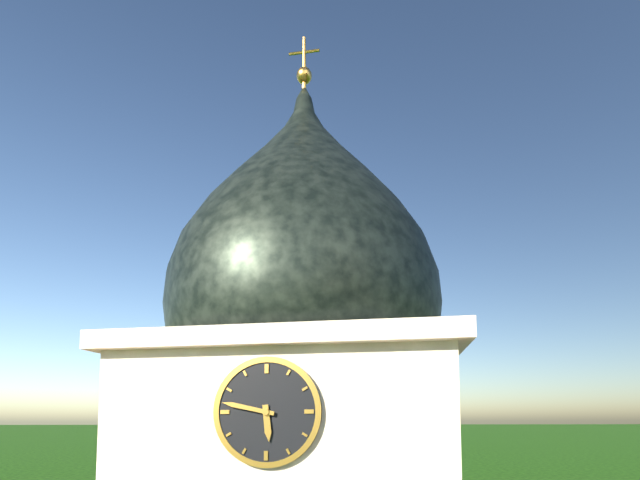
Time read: 5h47
